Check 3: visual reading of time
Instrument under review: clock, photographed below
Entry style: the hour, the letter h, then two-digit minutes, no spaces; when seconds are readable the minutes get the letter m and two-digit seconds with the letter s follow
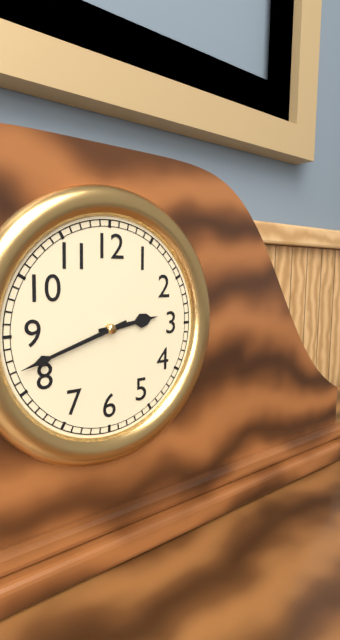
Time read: 2h42
